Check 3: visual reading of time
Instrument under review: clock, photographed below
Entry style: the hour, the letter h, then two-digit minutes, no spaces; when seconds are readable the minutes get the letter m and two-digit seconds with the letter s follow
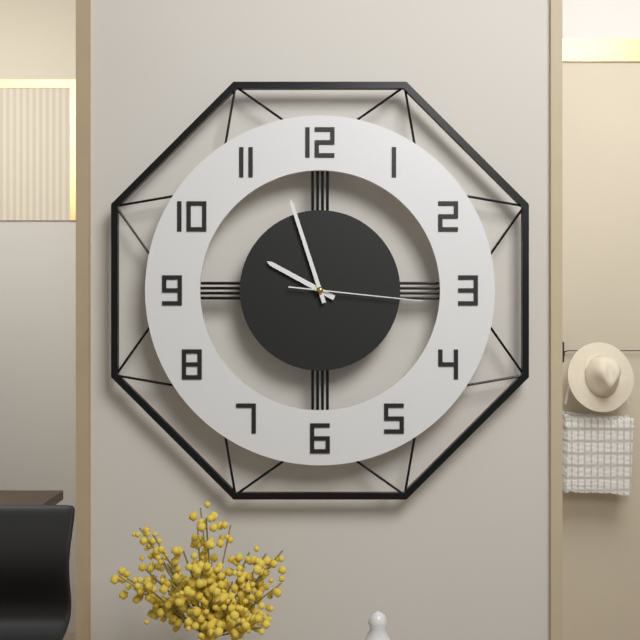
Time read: 9h57m16s
